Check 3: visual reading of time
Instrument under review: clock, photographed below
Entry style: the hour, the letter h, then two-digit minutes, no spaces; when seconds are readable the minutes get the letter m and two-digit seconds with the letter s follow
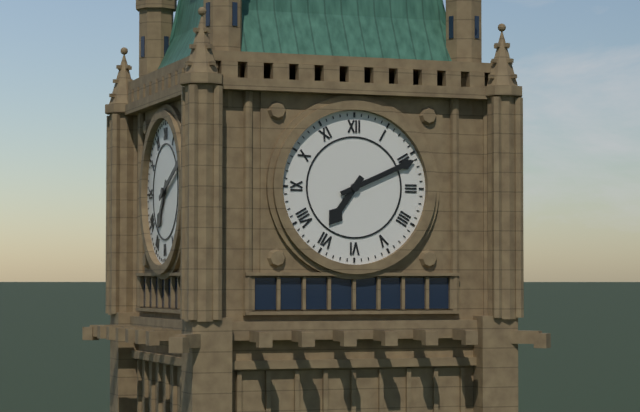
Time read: 7h11
